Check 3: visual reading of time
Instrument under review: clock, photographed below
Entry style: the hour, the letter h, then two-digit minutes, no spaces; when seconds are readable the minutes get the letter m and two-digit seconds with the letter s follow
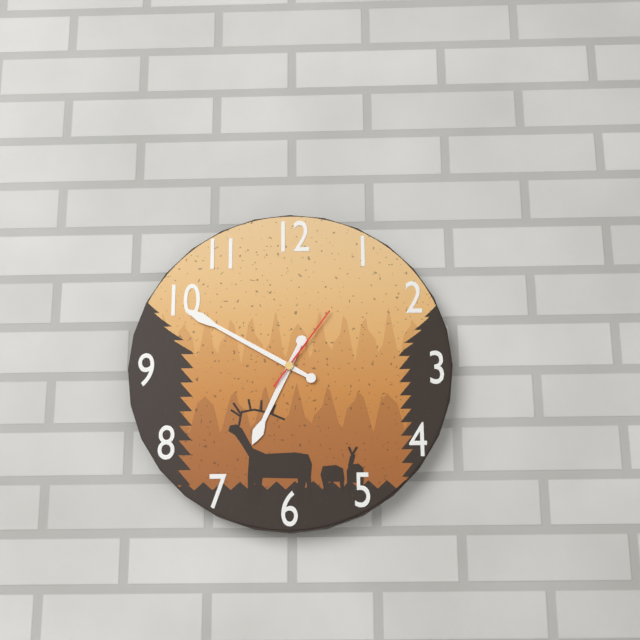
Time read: 6h50m06s
